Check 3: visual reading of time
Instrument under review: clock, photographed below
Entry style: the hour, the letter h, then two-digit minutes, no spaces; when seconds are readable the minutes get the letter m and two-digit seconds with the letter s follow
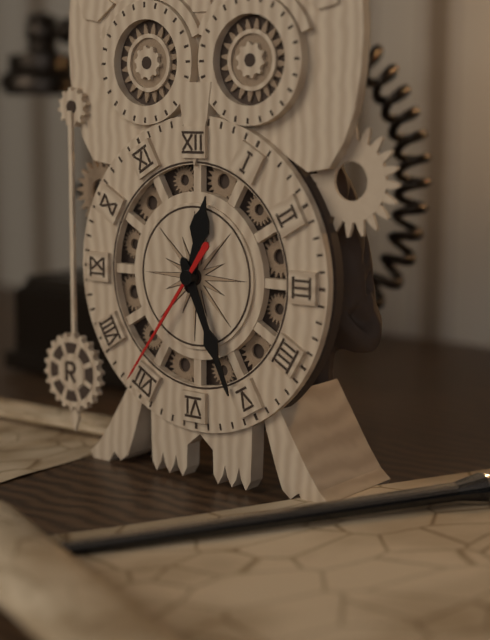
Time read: 12h26m36s
